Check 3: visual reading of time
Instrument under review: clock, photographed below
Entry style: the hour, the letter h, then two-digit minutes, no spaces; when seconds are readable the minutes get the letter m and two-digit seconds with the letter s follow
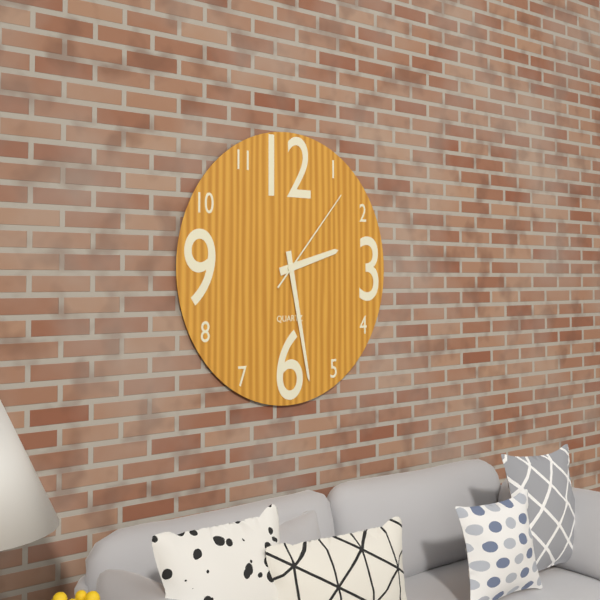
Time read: 2h28m07s
